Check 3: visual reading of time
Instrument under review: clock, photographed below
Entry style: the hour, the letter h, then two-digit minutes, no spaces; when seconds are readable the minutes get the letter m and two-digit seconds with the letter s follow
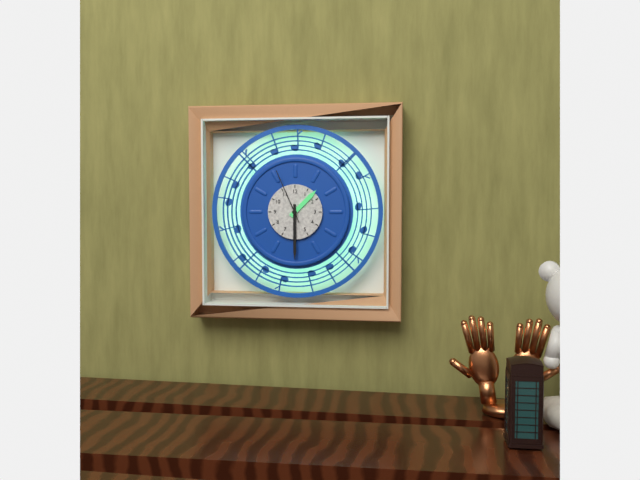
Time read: 1h30m56s
